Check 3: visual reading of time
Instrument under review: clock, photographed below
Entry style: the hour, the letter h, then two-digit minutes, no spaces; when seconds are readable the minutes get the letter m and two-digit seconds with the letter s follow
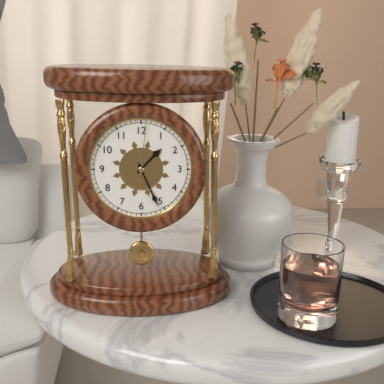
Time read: 1h26m01s
